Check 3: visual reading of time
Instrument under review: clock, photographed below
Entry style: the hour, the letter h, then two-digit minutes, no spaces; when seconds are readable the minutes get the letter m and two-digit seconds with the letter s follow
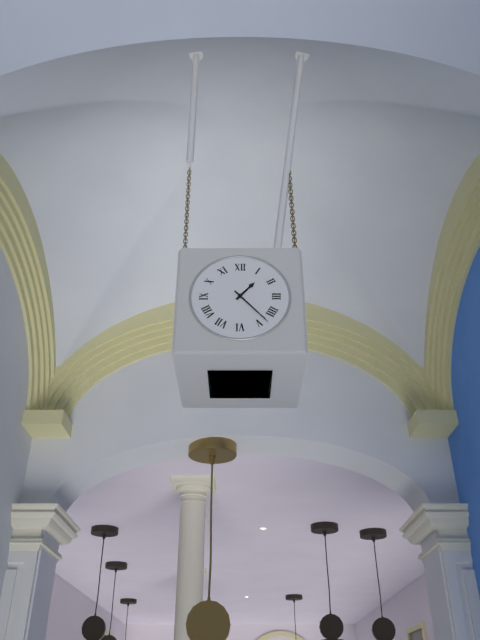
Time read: 1h23
